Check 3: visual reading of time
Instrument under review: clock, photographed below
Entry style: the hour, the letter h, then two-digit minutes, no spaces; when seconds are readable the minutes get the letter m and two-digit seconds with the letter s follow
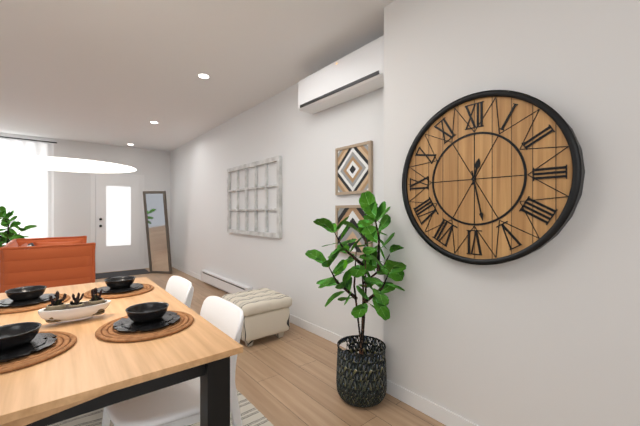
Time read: 12h28
